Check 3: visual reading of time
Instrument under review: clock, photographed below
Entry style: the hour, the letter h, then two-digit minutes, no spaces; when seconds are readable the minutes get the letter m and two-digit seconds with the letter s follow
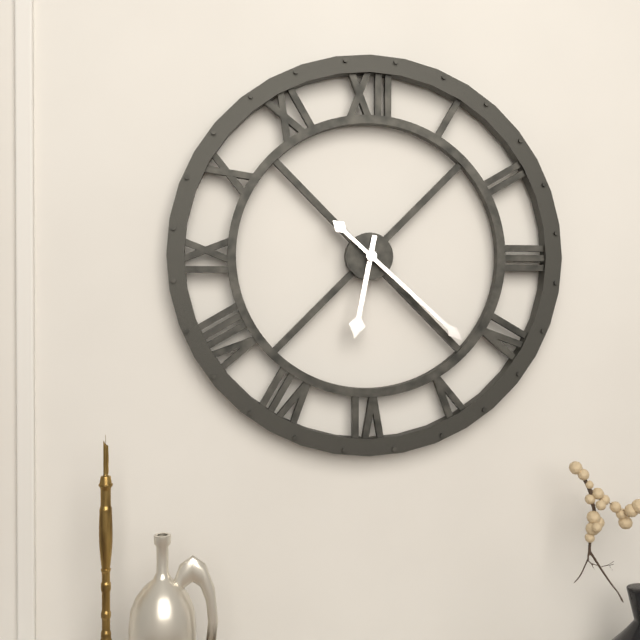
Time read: 6h22
